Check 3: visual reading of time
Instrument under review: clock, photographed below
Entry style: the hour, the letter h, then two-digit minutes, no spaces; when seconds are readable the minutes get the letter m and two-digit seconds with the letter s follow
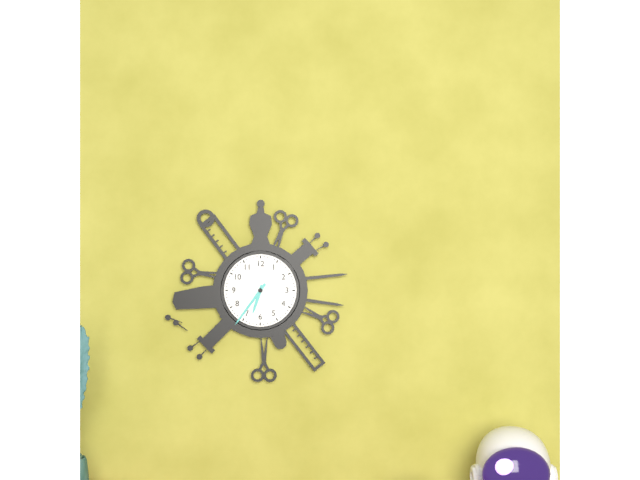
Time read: 6h36
